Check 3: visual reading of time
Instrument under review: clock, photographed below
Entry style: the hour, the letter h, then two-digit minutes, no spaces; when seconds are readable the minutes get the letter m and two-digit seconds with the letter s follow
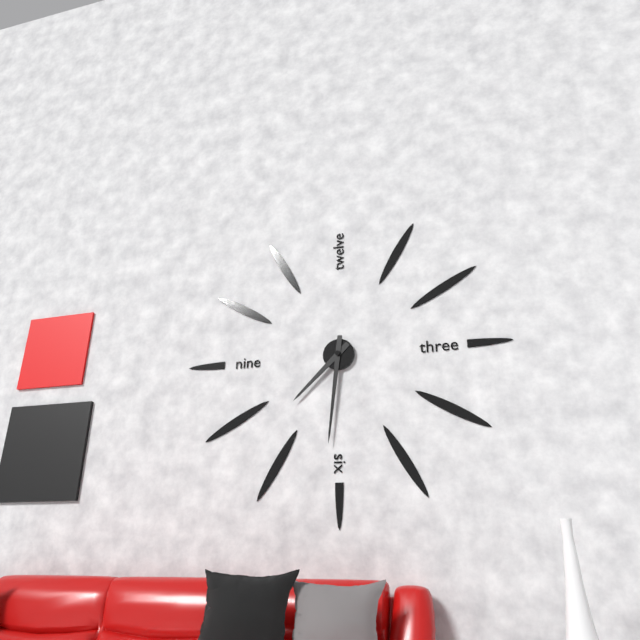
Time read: 7h31
